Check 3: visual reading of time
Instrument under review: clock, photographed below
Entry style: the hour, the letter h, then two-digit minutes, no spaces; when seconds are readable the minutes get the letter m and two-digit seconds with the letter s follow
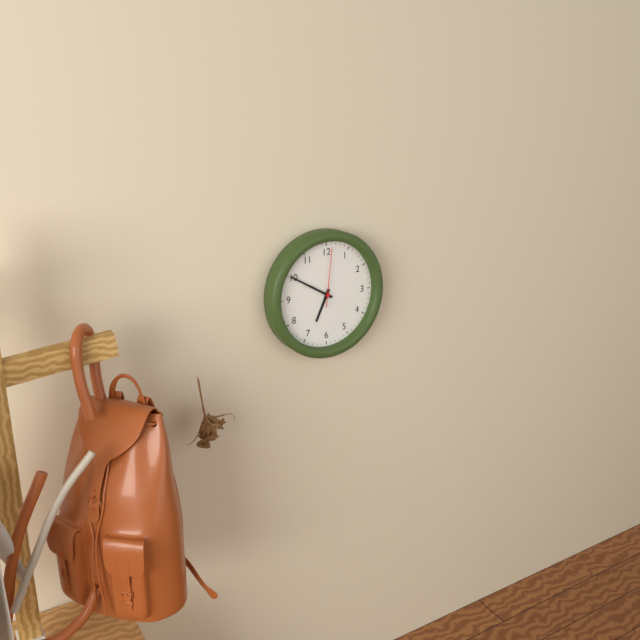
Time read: 6h50m01s
